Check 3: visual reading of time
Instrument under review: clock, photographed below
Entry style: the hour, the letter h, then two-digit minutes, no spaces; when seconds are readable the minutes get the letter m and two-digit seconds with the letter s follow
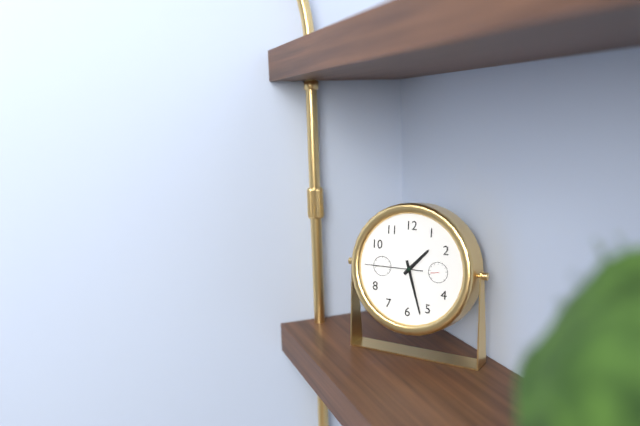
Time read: 1h27m45s
